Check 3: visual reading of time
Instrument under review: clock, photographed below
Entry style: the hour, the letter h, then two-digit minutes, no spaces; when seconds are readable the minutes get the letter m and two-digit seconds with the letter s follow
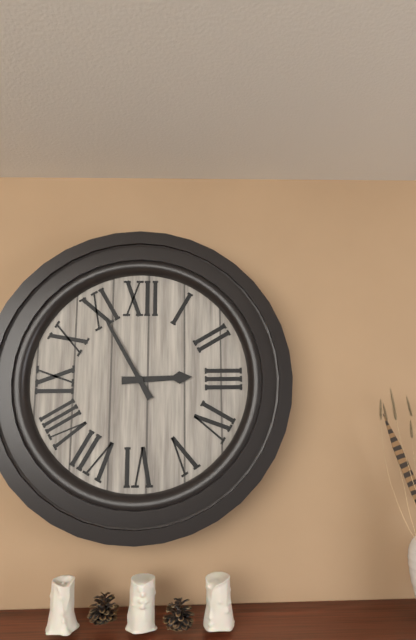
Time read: 2h55
